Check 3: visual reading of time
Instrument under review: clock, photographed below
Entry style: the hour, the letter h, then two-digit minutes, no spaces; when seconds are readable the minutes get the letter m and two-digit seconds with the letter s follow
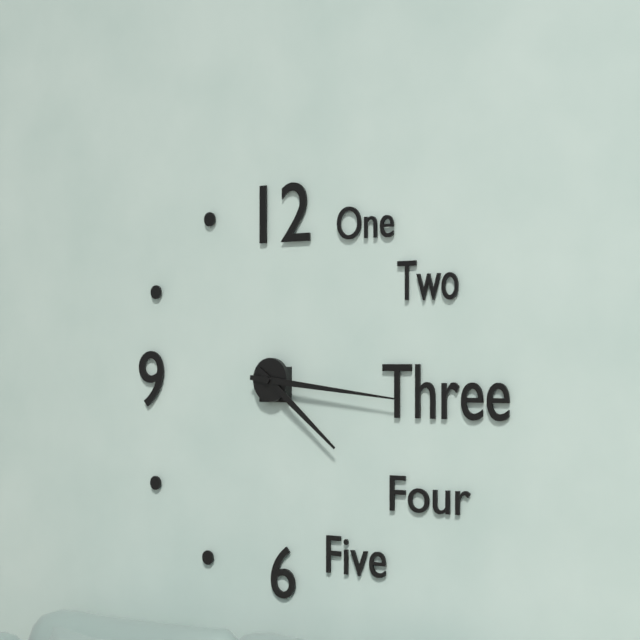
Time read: 4h16
